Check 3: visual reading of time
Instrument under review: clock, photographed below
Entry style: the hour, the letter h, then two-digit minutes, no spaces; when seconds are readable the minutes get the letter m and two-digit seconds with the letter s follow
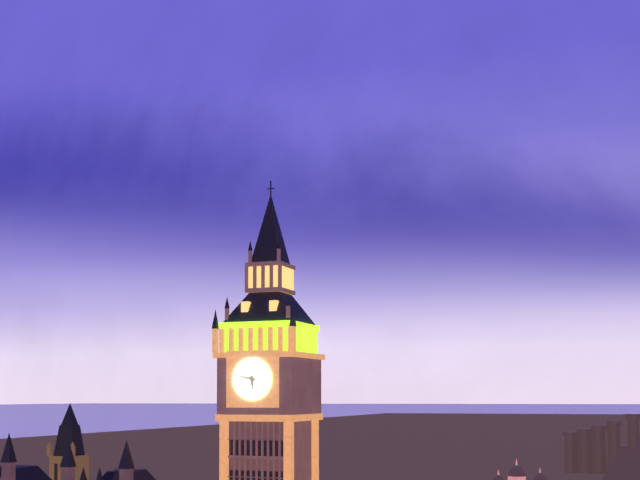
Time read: 5h47
